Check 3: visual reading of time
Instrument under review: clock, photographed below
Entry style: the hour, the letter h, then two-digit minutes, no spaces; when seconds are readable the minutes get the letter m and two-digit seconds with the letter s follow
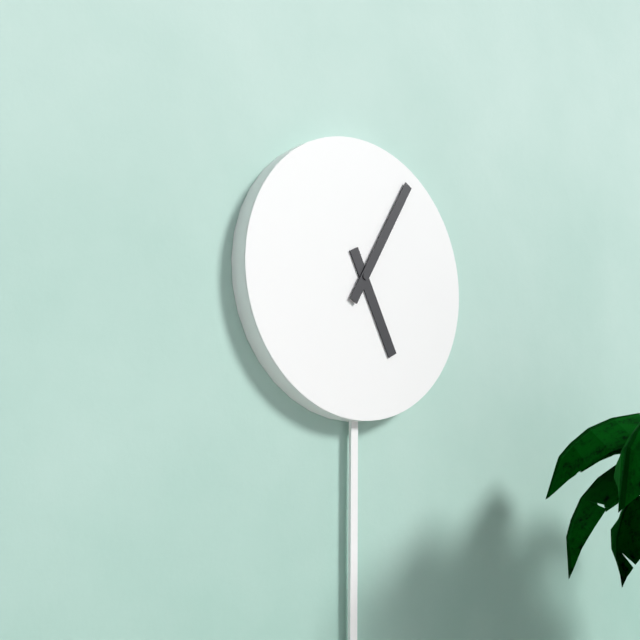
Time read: 5h05
